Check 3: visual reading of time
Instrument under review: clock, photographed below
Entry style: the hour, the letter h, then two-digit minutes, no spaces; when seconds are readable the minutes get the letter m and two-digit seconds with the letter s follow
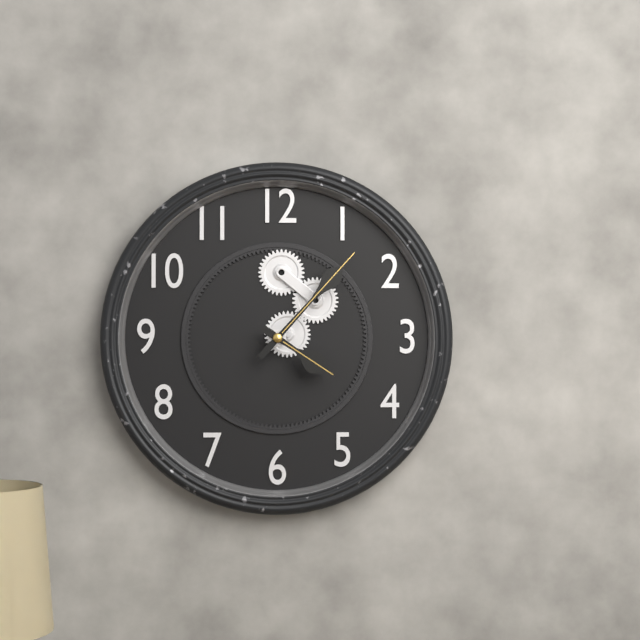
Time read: 4h07
